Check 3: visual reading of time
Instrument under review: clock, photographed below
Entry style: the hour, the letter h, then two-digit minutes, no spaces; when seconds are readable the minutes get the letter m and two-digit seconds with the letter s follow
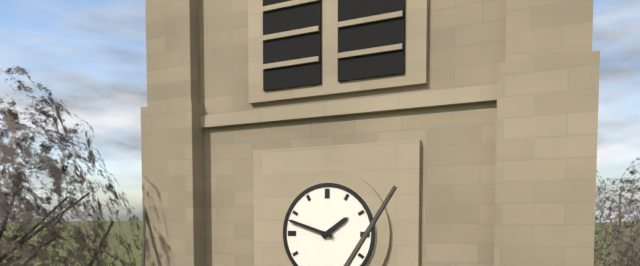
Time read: 1h48
